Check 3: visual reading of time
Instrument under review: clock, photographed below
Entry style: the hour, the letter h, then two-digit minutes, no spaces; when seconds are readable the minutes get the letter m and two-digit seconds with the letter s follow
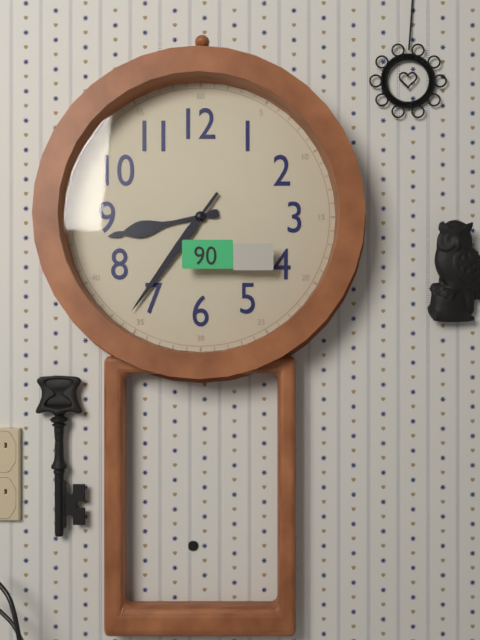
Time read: 8h36
